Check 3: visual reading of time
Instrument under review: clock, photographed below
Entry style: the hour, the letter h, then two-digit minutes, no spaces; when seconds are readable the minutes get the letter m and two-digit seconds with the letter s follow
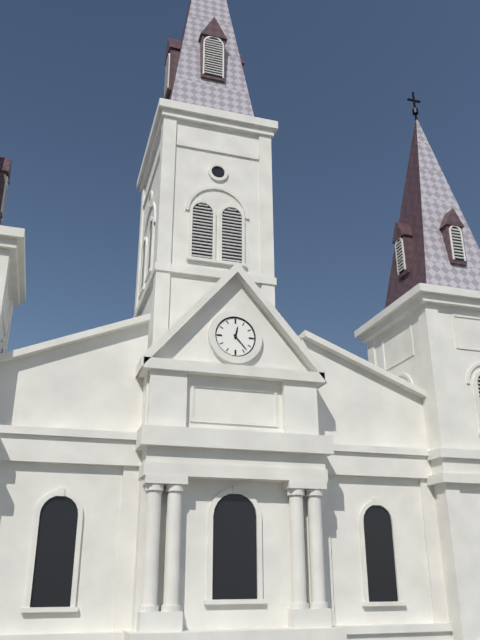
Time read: 12h23
